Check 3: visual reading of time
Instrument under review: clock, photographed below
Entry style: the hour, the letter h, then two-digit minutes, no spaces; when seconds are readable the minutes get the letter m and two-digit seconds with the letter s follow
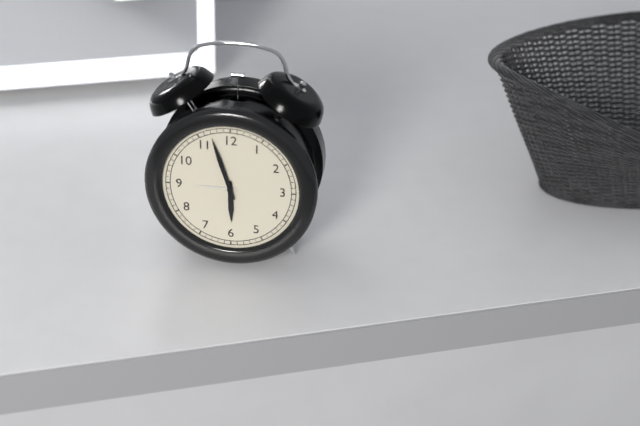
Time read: 5h57
